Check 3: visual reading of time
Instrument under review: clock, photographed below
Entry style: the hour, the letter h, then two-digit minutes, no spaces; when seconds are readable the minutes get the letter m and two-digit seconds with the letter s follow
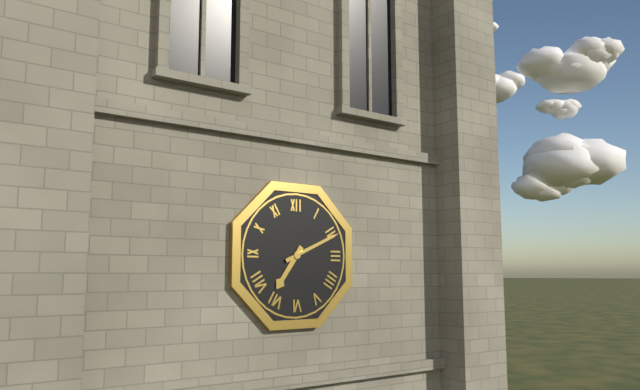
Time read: 7h11
